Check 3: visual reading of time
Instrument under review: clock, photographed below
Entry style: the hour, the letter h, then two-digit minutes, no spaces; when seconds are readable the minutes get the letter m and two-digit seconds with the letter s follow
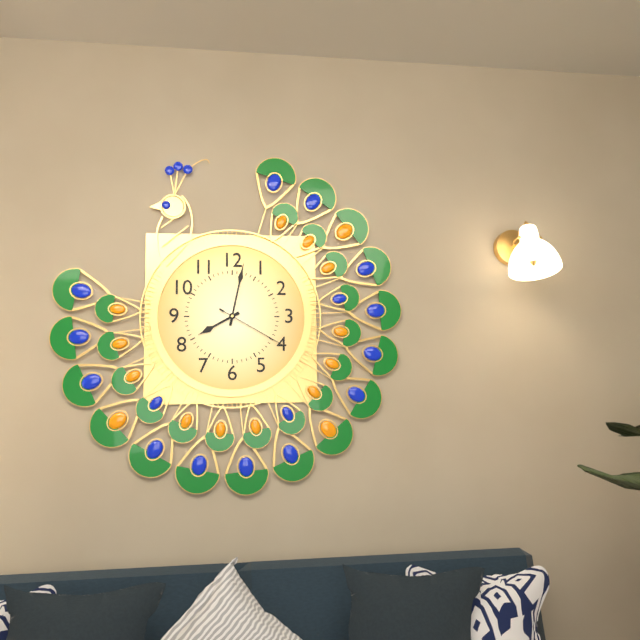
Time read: 8h02m20s
